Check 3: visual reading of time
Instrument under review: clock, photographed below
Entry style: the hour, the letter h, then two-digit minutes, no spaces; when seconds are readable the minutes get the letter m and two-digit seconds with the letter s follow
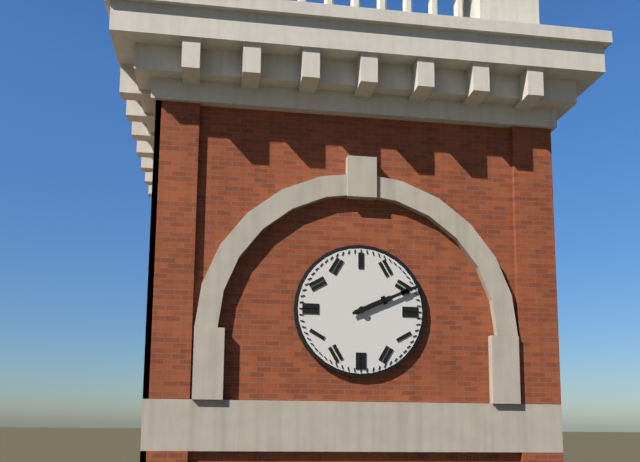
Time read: 2h11
